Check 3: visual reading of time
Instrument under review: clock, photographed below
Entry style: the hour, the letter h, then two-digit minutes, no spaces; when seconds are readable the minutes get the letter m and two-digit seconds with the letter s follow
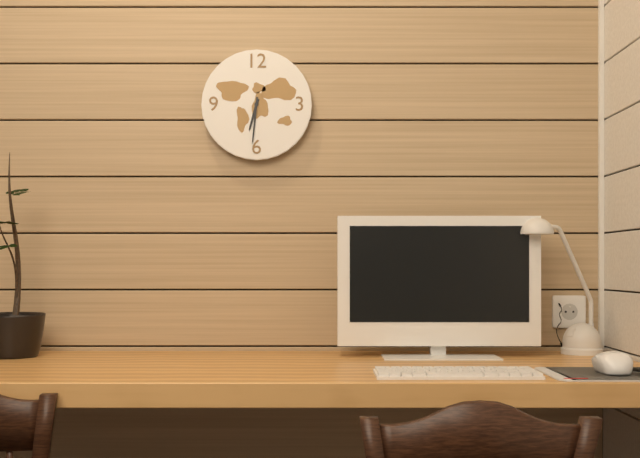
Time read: 6h31
